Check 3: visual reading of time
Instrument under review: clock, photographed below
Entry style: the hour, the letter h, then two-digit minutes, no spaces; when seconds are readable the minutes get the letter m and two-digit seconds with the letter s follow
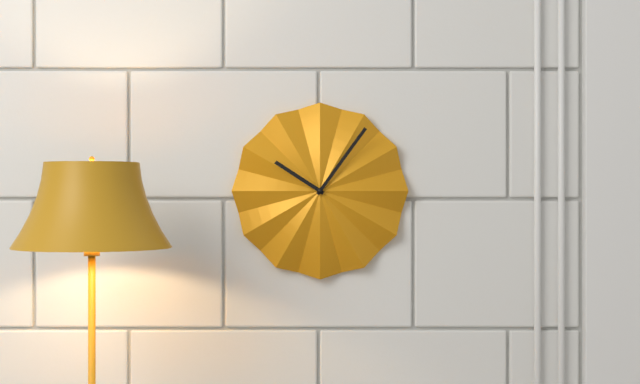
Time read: 10h06
